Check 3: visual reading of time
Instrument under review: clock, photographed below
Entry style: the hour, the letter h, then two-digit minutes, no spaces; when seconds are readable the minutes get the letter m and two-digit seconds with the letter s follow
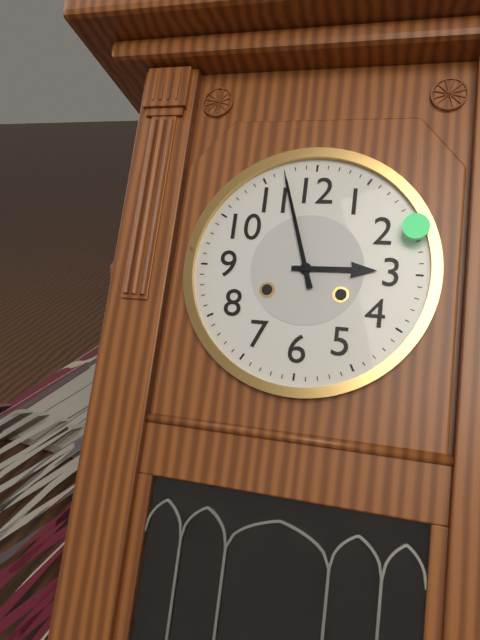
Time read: 2h57
